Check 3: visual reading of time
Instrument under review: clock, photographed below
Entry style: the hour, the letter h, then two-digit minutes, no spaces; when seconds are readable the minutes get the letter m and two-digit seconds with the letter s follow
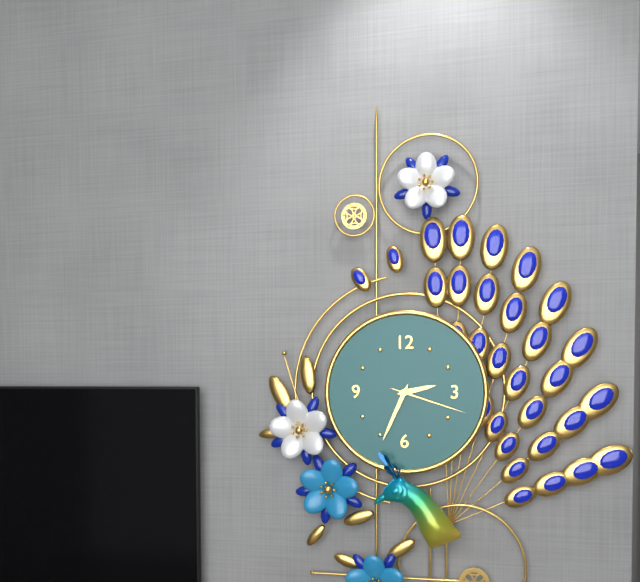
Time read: 2h34m18s
